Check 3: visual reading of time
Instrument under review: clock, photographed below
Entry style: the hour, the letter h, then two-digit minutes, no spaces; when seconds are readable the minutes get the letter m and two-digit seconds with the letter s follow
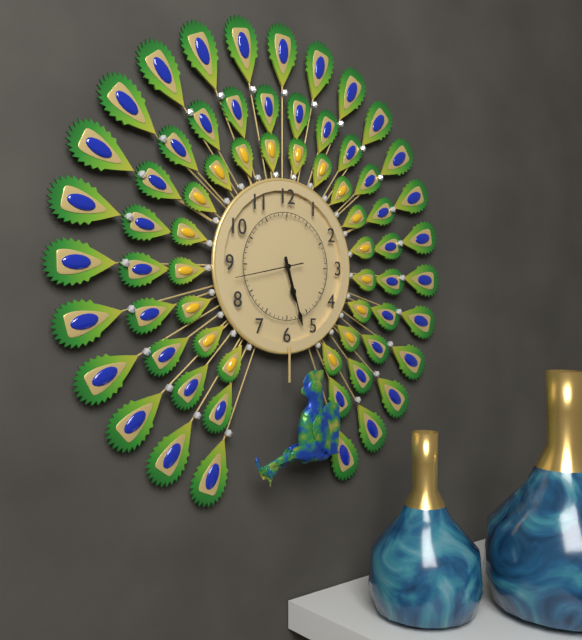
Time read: 5h27m43s
